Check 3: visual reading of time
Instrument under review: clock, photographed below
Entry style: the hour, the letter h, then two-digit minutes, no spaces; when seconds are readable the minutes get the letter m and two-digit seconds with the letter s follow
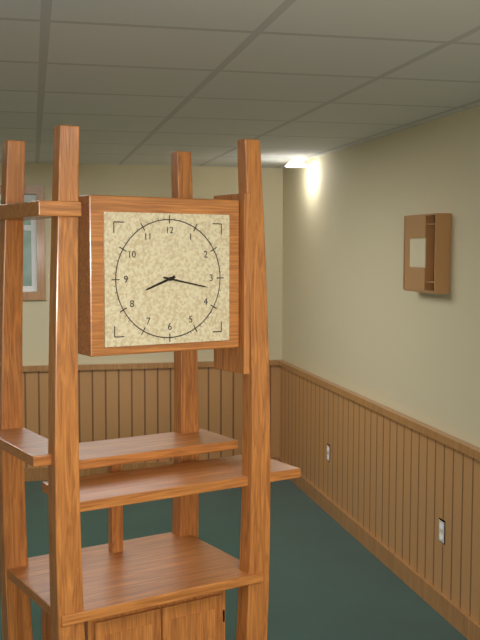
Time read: 8h17
